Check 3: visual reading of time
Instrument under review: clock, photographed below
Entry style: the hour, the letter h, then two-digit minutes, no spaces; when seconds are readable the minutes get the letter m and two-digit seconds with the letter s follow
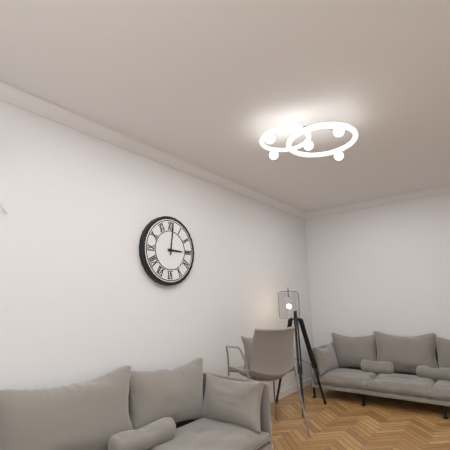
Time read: 3h01
